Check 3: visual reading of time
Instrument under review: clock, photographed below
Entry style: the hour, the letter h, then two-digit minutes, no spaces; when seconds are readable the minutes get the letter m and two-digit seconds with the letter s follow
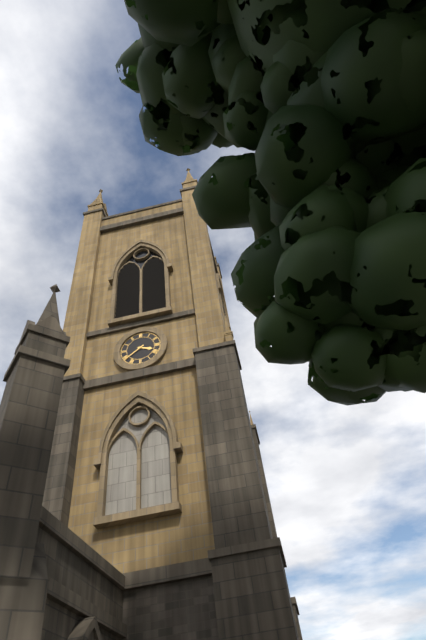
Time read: 3h39
